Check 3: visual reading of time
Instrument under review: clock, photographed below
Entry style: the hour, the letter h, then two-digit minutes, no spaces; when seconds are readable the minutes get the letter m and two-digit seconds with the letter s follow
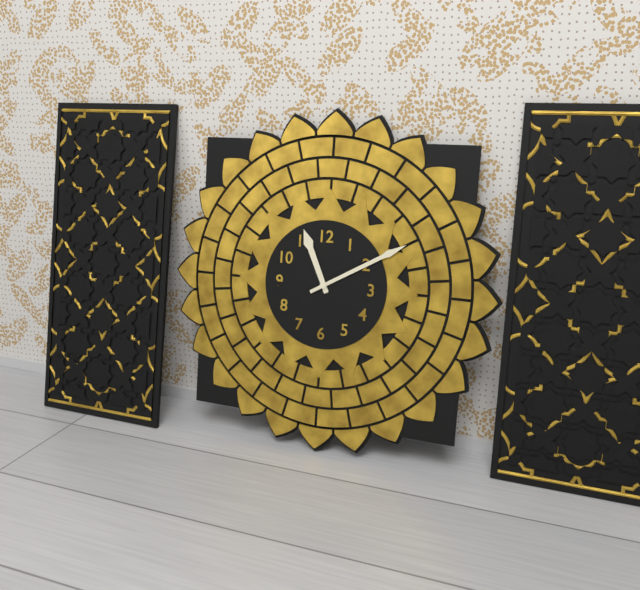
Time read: 11h10
